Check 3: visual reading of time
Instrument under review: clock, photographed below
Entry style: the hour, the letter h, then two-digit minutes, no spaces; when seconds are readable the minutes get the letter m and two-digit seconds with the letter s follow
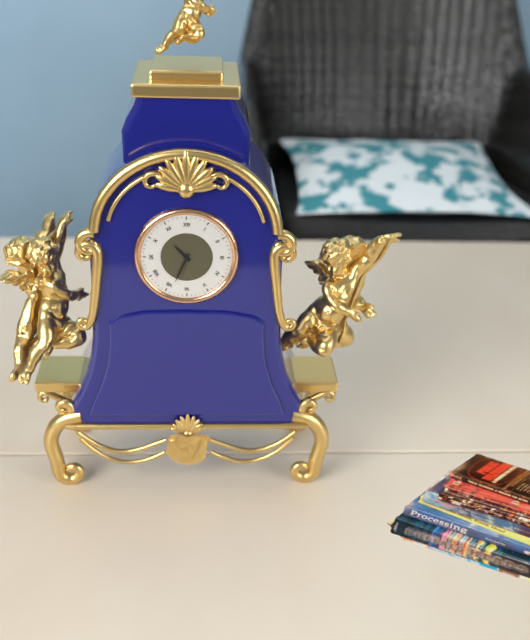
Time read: 10h34
